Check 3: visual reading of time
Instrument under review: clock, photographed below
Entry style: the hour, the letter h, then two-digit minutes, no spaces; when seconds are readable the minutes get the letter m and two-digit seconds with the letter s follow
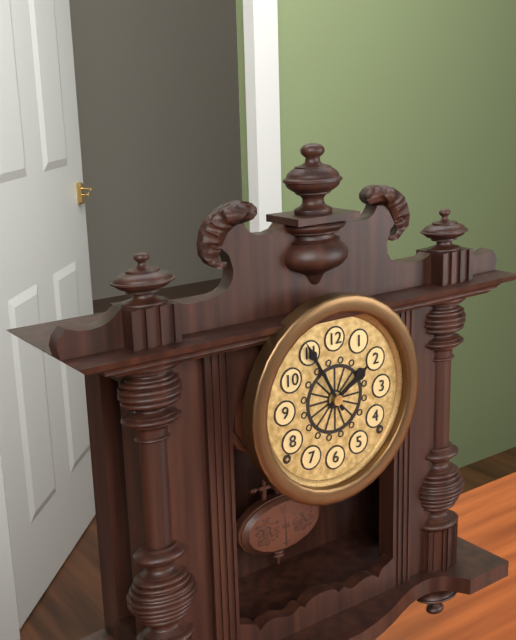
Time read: 1h55
